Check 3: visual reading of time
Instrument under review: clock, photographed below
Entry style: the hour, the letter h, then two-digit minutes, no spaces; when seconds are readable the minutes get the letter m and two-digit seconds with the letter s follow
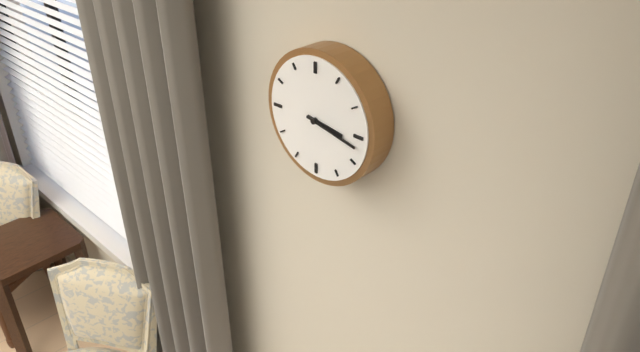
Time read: 3h17
